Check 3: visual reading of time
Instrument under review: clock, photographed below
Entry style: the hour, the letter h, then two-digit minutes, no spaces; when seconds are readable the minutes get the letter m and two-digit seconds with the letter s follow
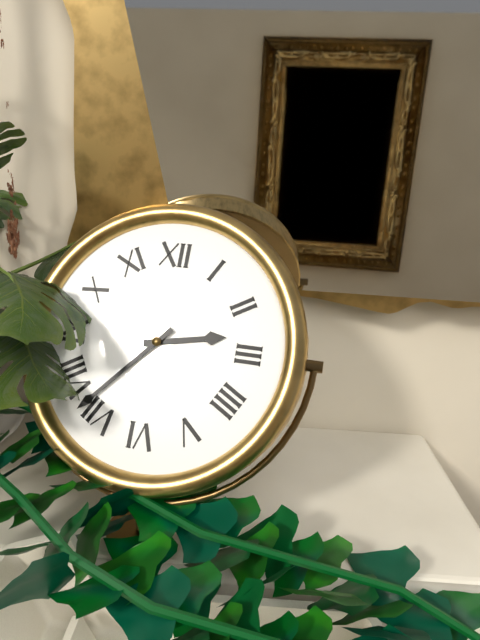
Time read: 2h37
